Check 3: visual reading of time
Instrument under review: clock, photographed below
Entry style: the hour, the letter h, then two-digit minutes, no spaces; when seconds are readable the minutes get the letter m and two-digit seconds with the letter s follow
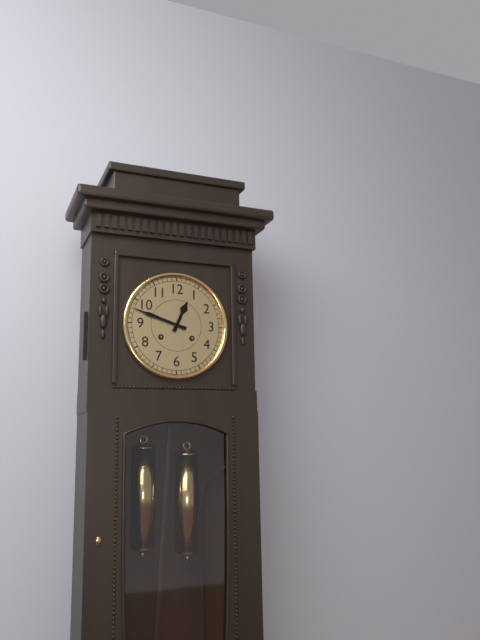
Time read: 12h48
